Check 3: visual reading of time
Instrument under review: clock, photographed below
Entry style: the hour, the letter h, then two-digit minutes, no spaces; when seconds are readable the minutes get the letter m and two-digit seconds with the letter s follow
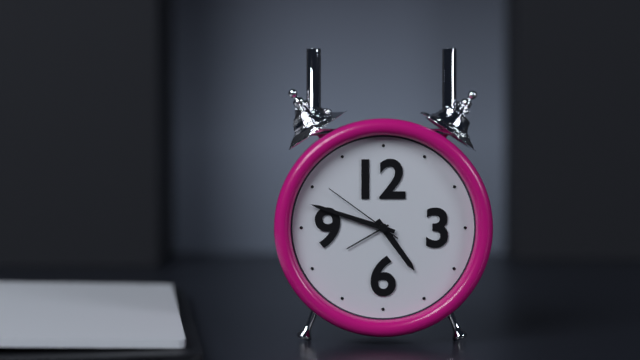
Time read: 4h48m51s
